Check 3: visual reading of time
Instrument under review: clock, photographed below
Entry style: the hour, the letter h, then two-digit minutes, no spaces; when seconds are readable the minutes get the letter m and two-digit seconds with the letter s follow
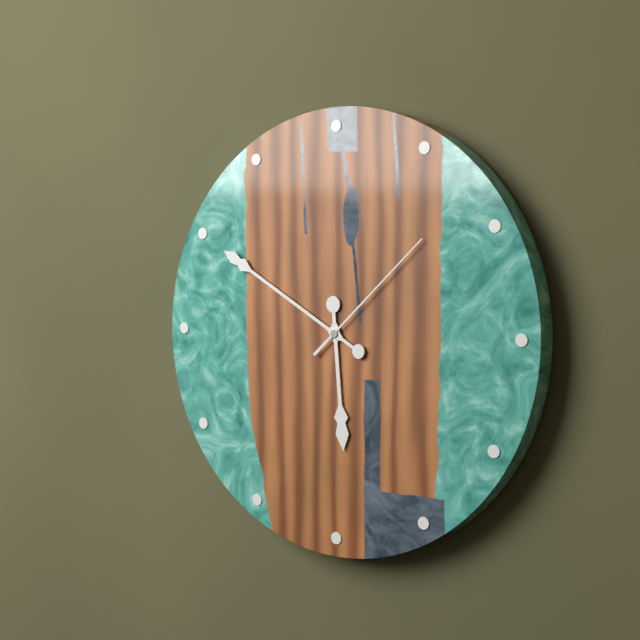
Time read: 5h50m08s
